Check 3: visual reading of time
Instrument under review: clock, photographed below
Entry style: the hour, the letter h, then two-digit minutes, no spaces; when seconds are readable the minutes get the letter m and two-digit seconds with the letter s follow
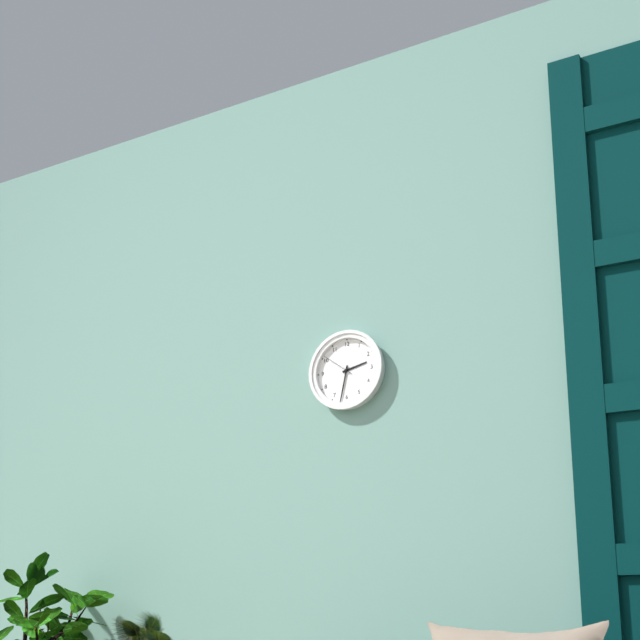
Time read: 2h32
